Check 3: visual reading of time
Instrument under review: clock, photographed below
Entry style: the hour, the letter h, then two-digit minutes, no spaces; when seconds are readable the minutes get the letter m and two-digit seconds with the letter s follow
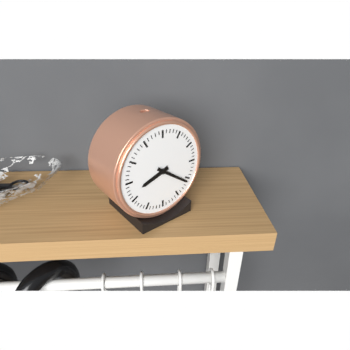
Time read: 8h21
